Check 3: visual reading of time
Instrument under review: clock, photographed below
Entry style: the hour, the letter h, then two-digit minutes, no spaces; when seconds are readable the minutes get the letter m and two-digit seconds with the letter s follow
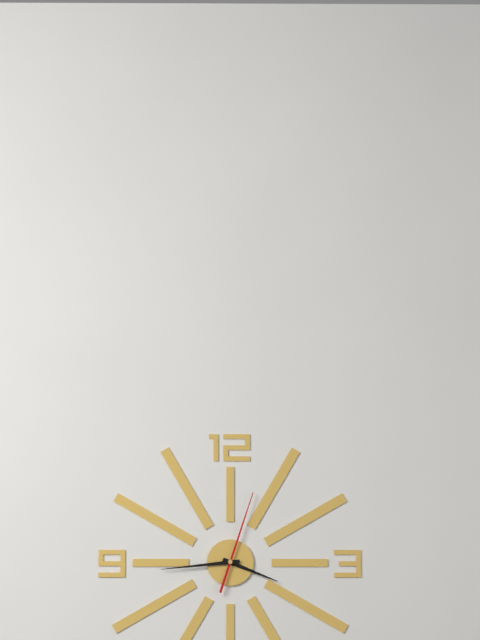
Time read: 3h44m03s
